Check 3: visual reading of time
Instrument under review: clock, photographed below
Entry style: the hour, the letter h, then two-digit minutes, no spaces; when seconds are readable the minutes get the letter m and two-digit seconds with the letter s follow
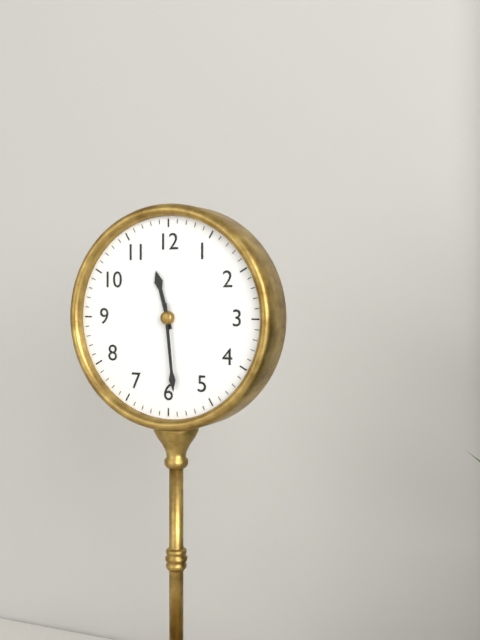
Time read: 11h29
